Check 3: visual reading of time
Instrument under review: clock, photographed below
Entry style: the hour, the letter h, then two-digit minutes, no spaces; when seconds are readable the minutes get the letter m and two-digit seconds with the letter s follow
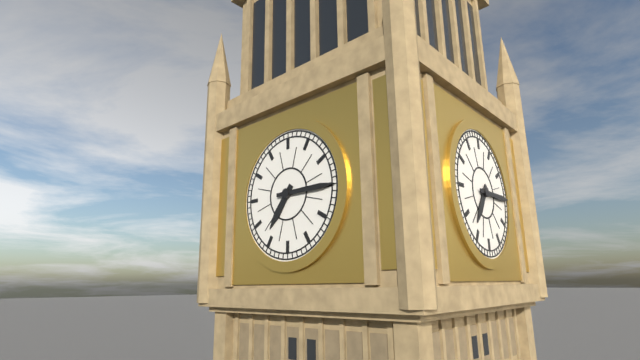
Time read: 7h15
